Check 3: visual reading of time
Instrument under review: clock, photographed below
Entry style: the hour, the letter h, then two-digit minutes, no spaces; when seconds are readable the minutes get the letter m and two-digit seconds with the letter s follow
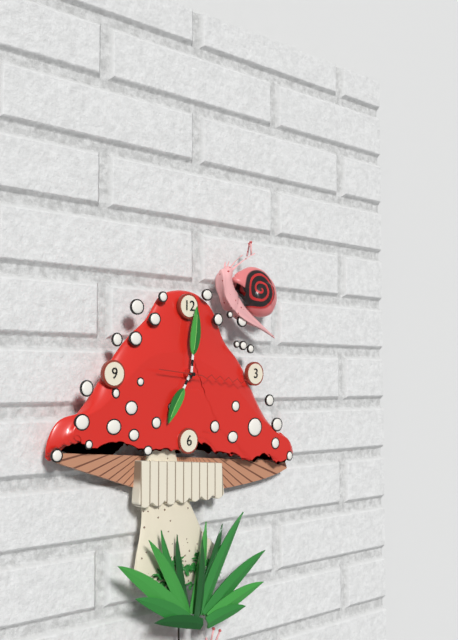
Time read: 7h01m16s
